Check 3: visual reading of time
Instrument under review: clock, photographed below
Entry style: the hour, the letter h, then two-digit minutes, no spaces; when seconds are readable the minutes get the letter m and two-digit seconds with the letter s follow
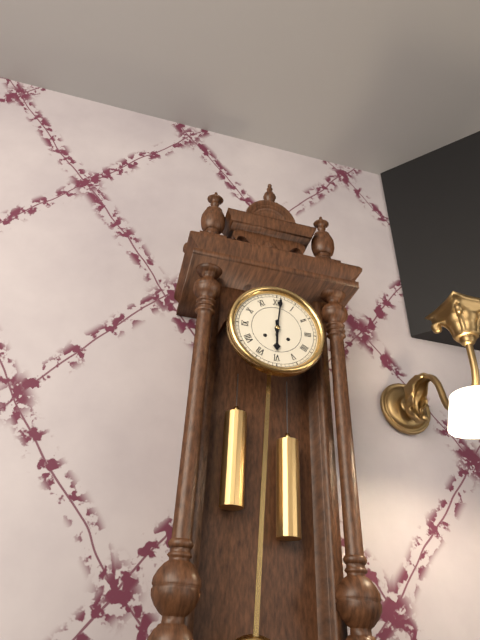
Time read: 6h01
